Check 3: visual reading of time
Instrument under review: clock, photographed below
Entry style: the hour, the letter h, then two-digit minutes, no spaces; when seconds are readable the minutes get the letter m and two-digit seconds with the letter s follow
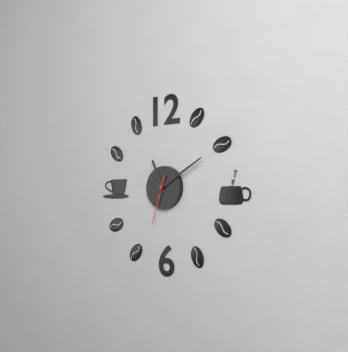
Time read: 11h10
